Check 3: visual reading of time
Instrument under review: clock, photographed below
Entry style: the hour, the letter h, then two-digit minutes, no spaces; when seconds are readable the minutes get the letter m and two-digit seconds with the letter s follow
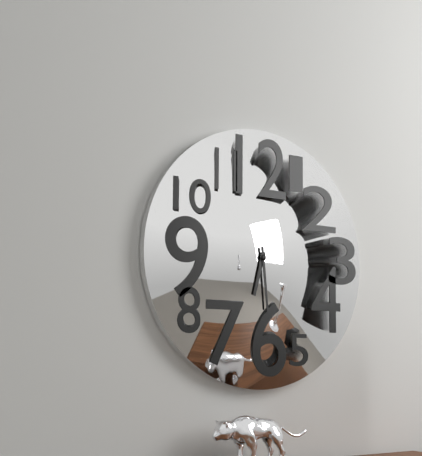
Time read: 6h29
